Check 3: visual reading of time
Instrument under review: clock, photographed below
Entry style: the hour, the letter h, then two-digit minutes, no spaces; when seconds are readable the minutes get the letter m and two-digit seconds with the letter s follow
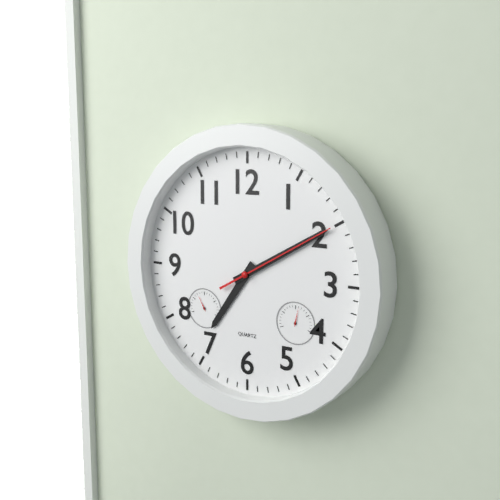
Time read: 7h10m10s
